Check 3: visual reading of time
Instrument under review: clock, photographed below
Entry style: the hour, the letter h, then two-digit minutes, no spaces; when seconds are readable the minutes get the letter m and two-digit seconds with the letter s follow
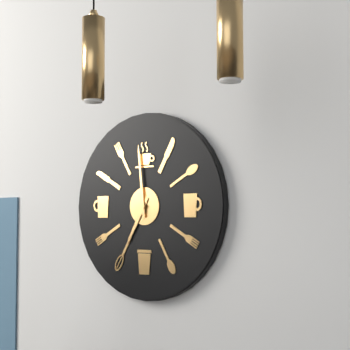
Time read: 6h59
